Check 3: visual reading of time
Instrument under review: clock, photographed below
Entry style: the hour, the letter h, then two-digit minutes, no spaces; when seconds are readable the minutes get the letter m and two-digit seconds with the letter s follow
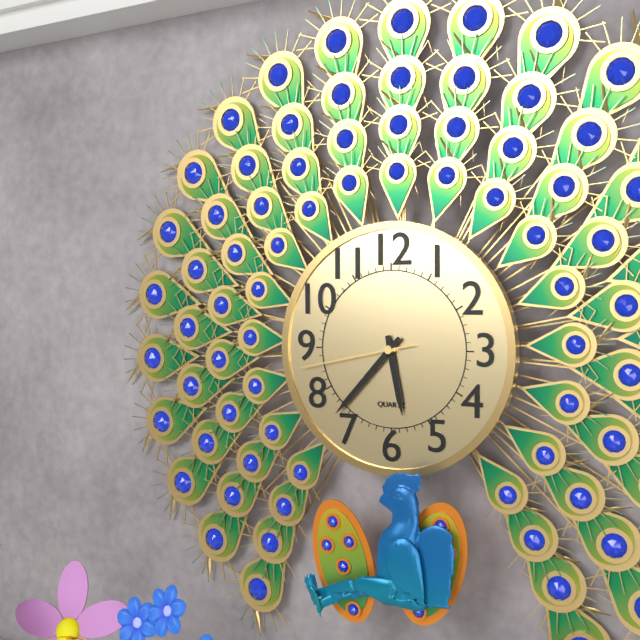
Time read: 5h37m43s
